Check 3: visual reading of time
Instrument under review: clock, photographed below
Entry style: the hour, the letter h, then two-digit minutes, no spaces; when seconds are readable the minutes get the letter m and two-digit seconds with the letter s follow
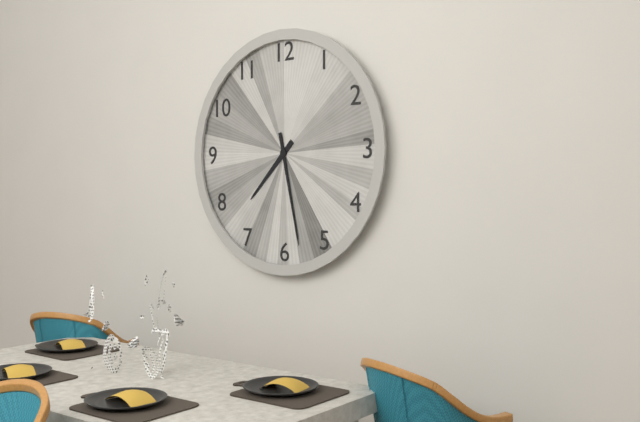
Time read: 7h28
